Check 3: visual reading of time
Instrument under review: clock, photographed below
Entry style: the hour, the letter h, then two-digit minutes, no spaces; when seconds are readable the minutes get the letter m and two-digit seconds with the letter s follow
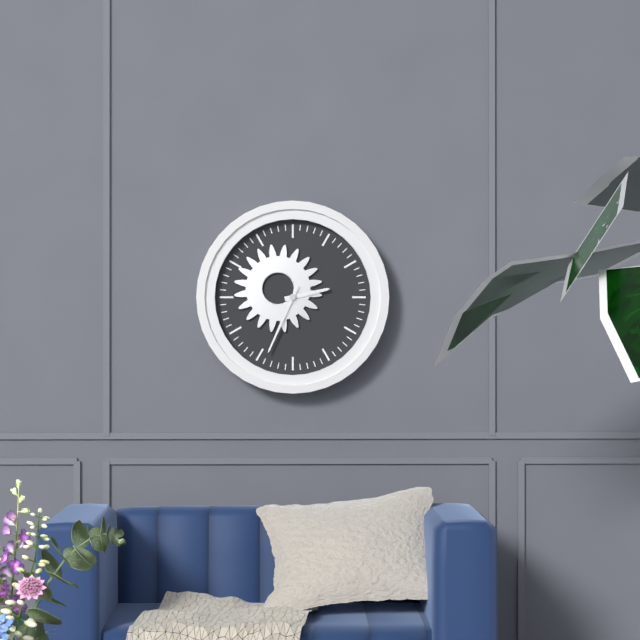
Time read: 2h34
